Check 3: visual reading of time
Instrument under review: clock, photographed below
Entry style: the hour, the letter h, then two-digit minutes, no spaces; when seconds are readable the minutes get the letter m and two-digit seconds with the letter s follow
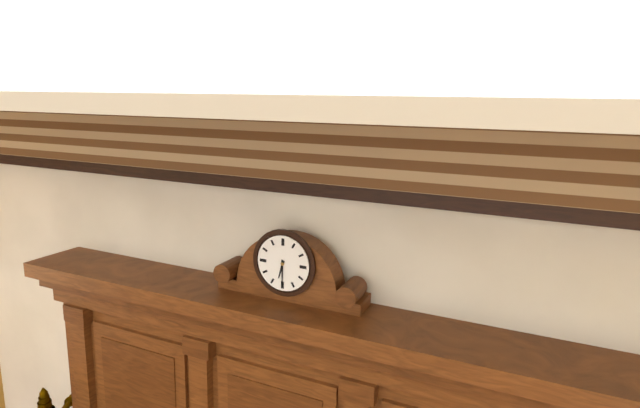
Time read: 6h30
